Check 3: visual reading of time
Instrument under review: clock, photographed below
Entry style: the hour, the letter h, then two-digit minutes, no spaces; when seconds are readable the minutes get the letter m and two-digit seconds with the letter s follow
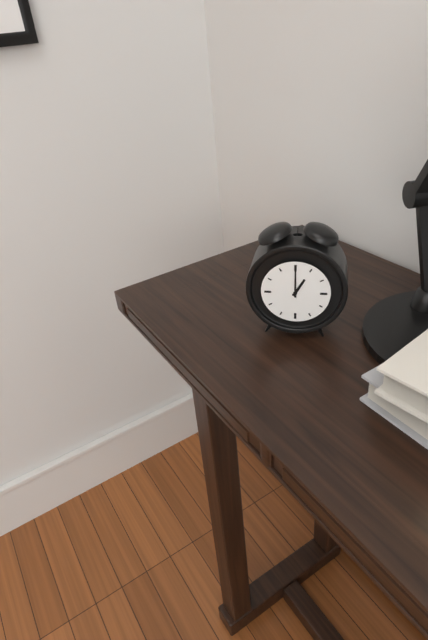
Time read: 1h00
